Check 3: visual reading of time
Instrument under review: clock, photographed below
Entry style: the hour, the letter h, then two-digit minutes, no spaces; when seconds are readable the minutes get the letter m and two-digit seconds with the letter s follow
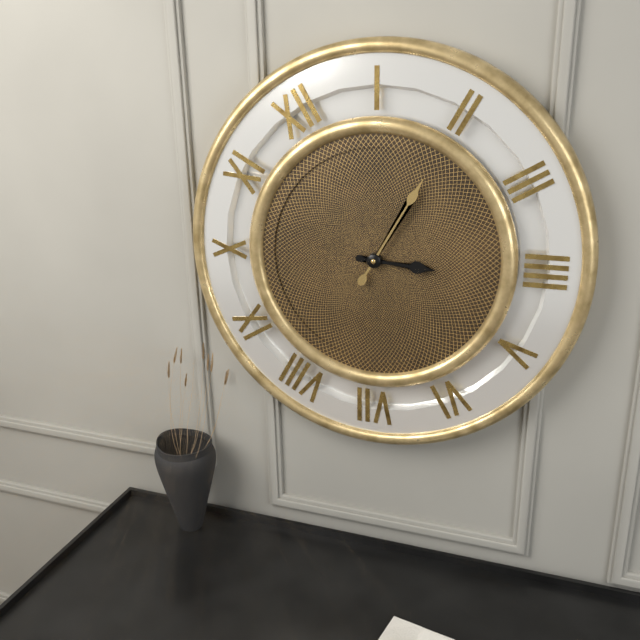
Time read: 4h10
